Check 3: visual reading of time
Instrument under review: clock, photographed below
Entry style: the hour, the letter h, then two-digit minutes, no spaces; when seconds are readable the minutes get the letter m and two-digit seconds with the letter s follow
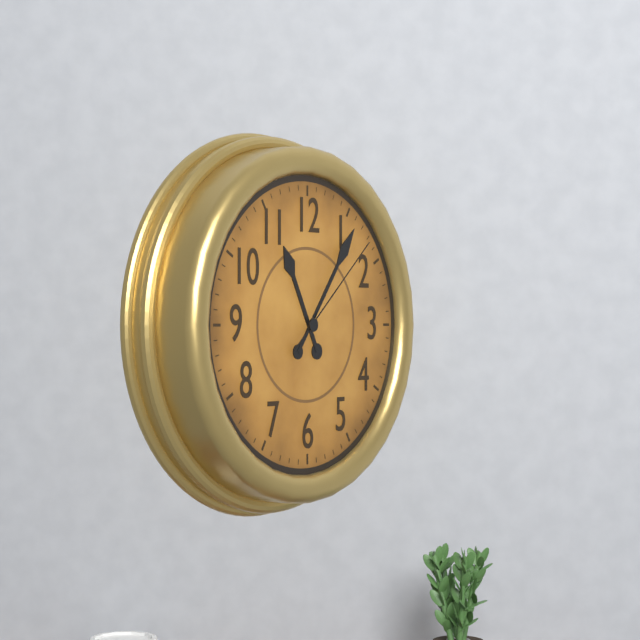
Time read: 11h06m08s
